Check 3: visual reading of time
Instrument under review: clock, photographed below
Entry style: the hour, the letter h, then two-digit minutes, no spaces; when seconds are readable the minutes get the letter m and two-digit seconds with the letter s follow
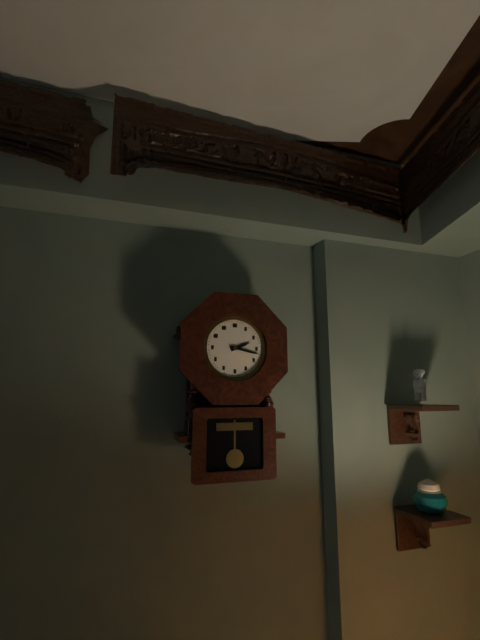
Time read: 2h17
